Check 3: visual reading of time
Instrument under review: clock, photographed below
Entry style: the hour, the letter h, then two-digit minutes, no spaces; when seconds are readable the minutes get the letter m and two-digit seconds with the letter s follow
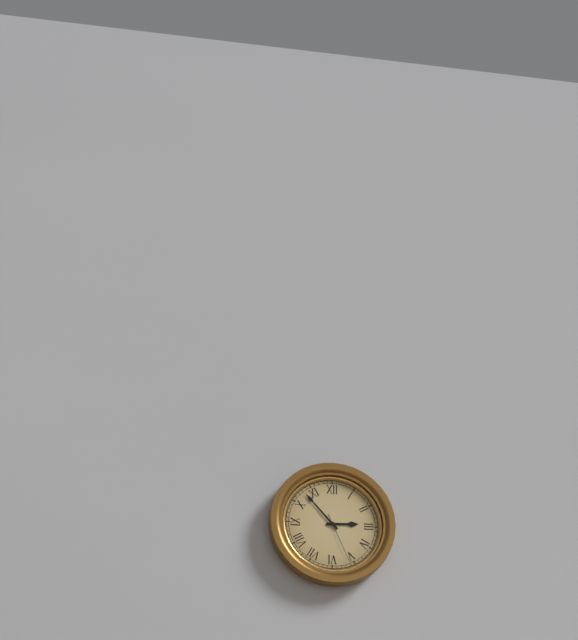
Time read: 2h53m26s
